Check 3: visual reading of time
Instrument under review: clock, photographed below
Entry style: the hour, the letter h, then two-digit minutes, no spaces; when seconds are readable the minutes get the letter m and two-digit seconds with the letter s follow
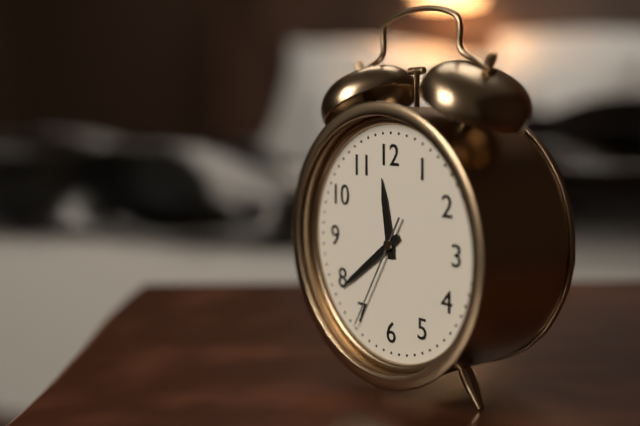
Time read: 11h39m35s
